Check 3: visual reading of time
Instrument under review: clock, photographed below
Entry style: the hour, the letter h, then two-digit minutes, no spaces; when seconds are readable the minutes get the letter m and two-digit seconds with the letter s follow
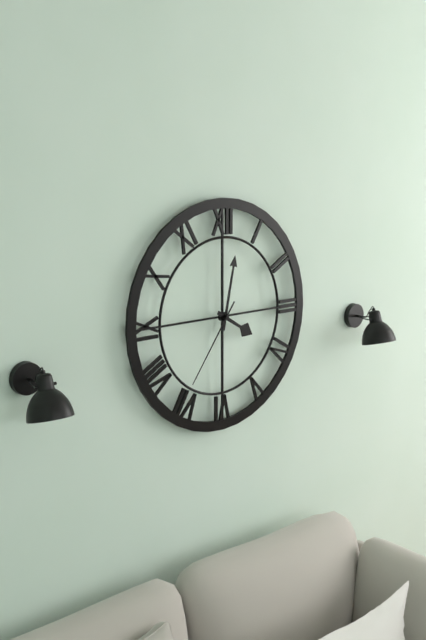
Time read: 4h02m36s
